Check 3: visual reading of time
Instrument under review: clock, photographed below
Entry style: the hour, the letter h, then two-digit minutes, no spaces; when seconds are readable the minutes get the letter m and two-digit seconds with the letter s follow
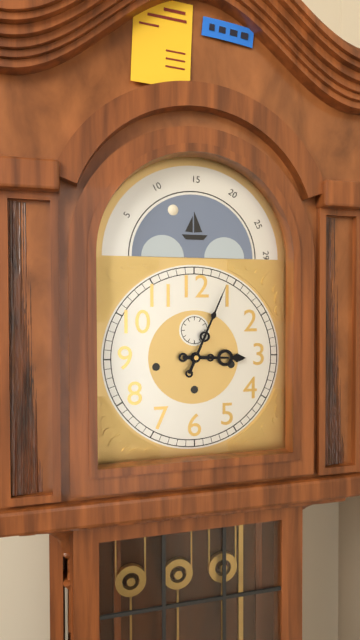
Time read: 3h04
